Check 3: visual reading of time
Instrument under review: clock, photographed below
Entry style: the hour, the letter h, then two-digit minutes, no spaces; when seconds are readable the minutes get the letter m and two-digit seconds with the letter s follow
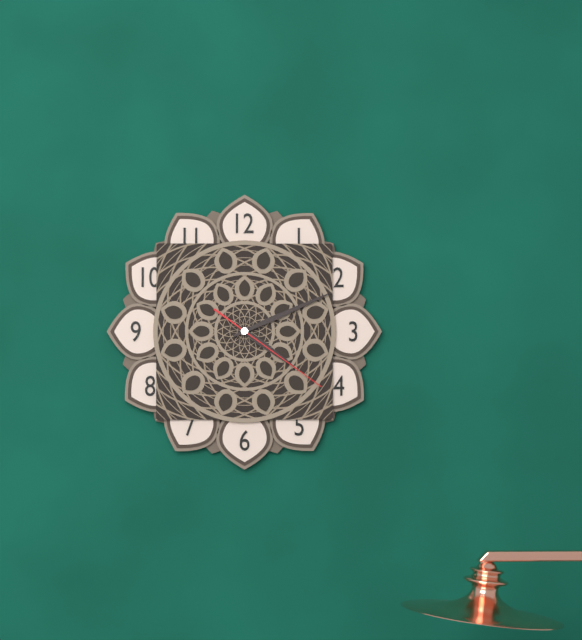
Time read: 4h11m21s
